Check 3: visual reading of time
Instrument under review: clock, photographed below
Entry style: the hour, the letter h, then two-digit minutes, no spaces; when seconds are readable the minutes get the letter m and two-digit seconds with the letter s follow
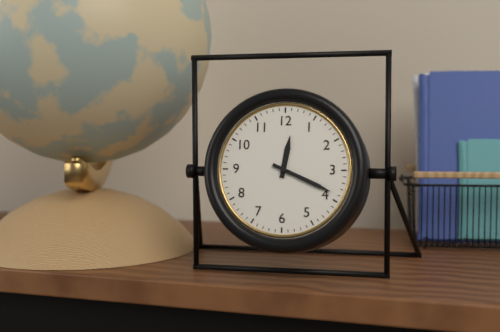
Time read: 12h19
